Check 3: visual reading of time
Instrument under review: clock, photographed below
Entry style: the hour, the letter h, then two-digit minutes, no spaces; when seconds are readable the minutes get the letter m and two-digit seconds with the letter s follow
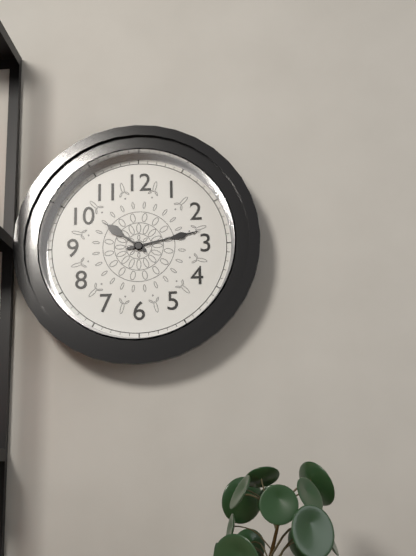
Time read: 10h13
